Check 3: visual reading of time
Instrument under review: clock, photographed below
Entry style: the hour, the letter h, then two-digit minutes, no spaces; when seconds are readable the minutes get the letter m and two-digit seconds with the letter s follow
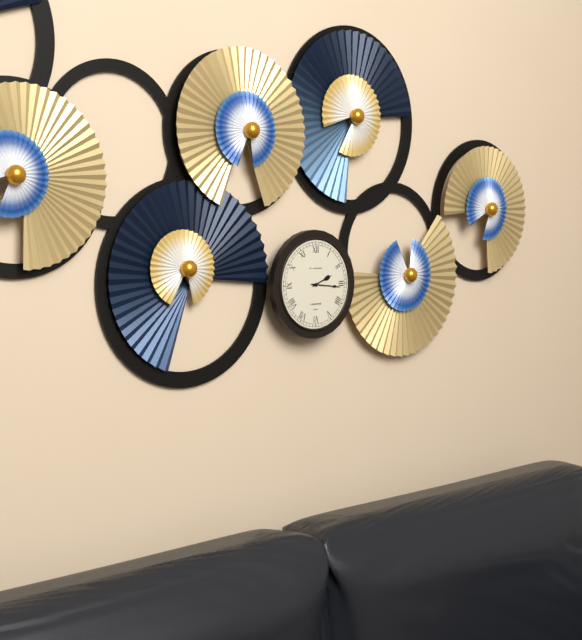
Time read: 2h16
